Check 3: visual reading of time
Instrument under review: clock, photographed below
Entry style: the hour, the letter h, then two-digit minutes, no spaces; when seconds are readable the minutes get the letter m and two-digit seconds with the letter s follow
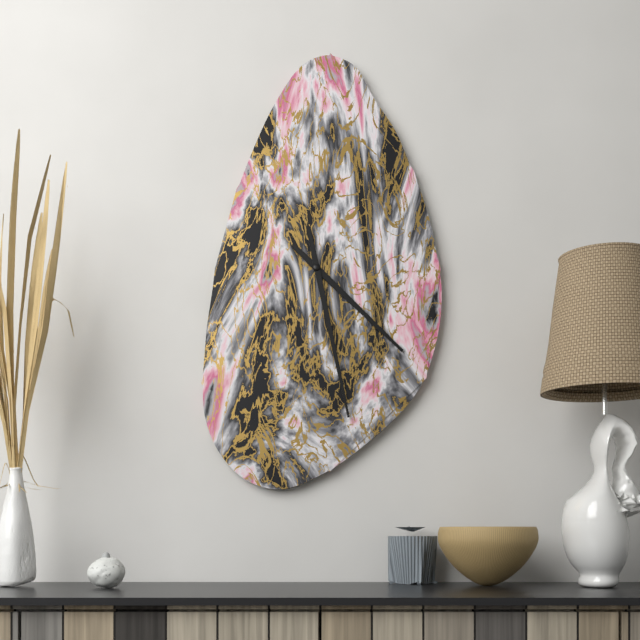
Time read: 4h28
